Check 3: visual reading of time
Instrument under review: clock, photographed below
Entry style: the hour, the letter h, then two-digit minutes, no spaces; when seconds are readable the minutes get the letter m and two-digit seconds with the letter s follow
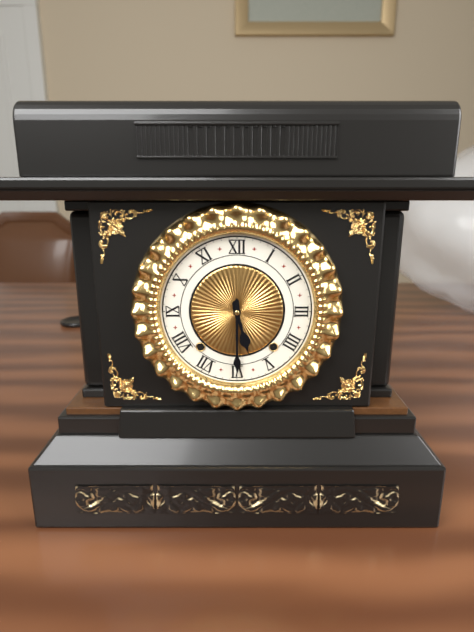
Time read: 5h30
